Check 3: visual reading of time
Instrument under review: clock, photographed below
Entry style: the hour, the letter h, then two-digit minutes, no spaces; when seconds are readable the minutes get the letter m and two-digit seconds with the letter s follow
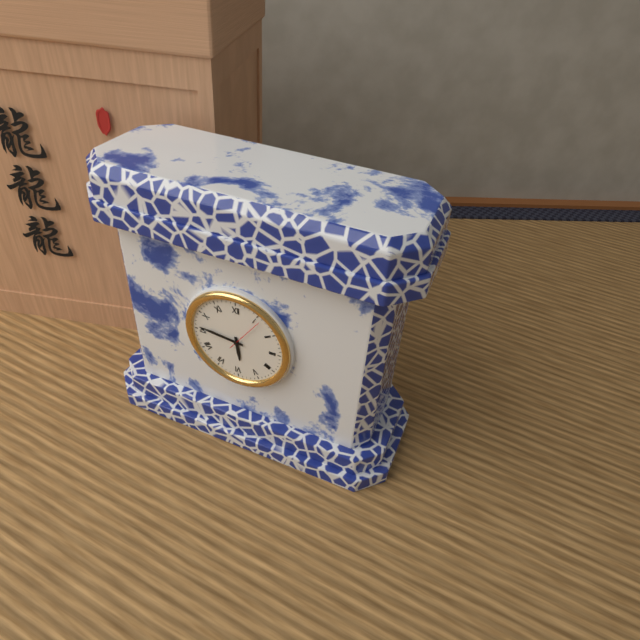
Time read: 5h46
